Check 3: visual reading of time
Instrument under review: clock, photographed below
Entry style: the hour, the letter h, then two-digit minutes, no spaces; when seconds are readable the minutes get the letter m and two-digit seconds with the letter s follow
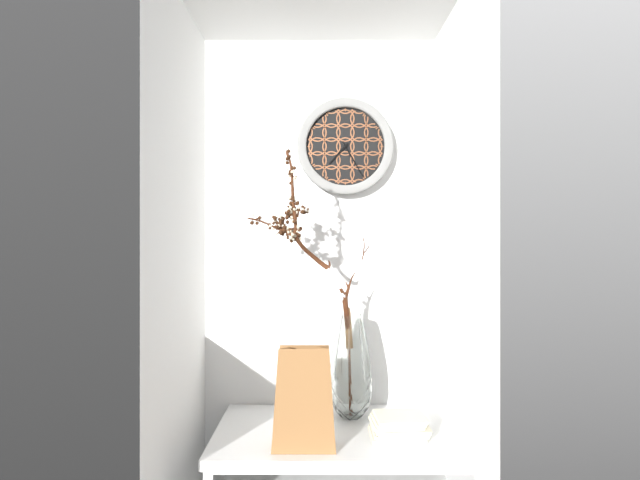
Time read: 7h25
